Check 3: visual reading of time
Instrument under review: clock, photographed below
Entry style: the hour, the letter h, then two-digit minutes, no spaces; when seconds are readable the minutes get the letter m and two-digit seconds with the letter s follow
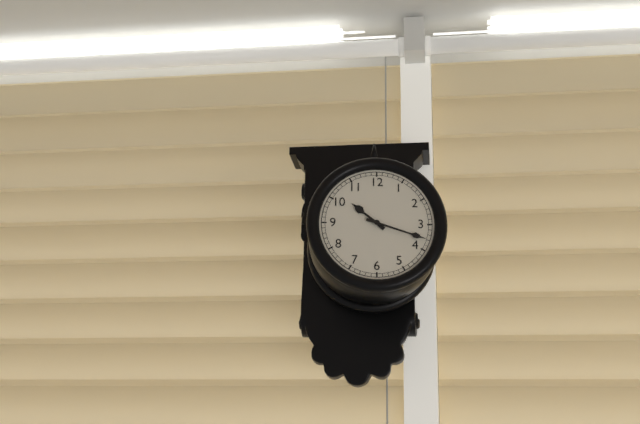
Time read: 10h18
